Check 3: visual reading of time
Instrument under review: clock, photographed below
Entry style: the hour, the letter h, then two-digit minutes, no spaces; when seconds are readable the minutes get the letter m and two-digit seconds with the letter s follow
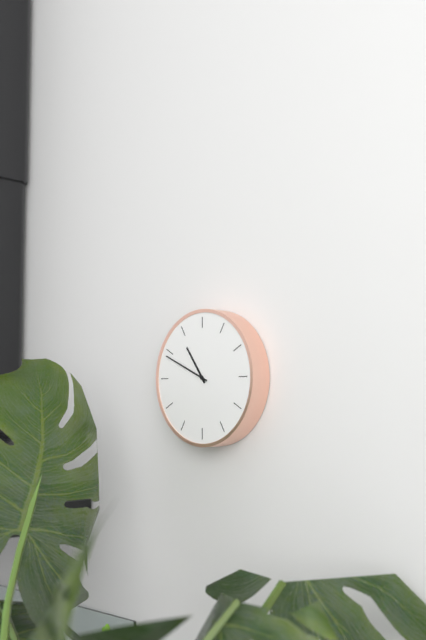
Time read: 10h49
